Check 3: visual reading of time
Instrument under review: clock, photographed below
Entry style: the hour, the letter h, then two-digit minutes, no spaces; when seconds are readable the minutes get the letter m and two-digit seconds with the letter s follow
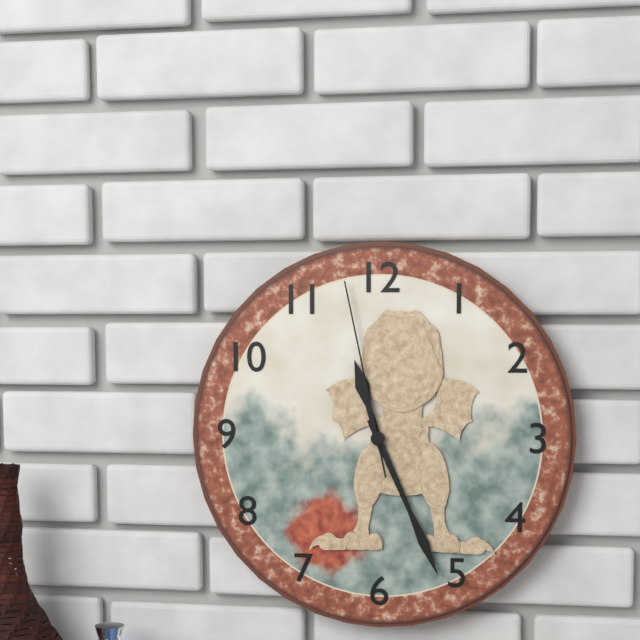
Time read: 11h26m58s
